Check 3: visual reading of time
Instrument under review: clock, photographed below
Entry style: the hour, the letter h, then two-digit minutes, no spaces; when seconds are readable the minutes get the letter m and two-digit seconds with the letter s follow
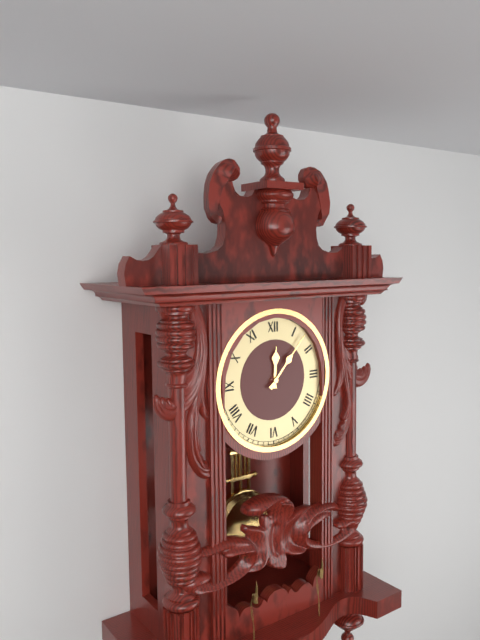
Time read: 12h07
